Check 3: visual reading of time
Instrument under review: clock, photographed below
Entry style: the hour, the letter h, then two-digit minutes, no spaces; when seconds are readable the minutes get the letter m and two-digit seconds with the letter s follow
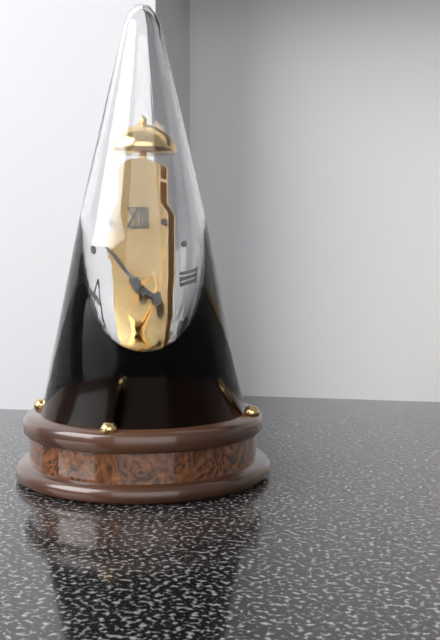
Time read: 3h52
